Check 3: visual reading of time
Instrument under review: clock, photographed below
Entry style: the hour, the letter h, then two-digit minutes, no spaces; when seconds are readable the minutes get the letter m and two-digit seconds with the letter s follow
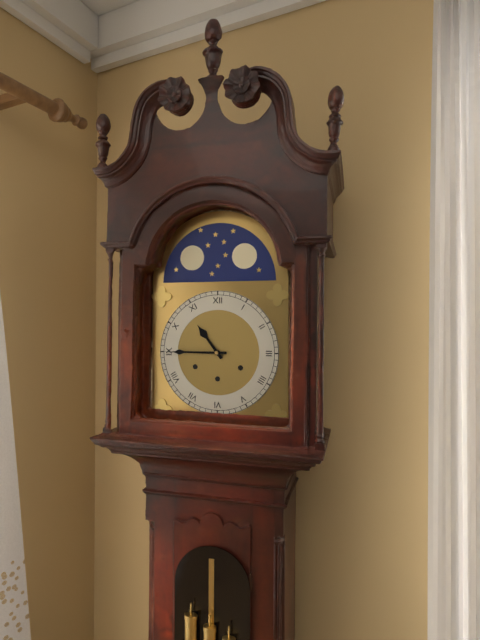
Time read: 10h45
